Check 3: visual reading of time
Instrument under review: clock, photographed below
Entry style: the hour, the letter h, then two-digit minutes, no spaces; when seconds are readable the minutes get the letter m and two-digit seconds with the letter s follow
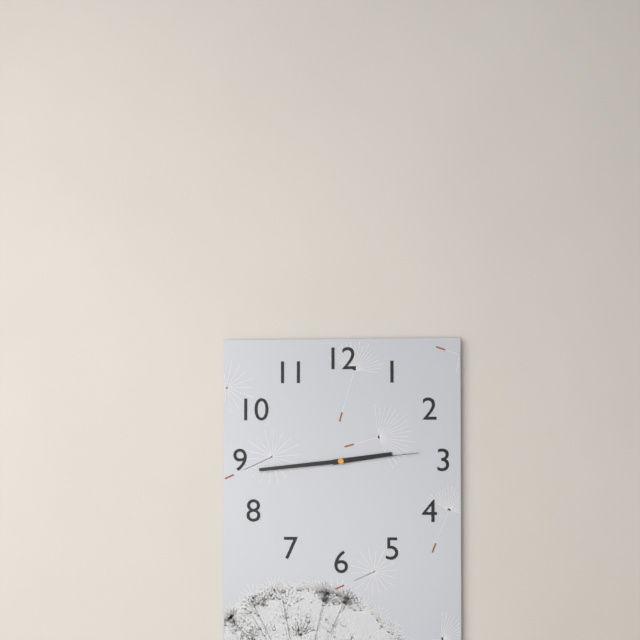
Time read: 2h44m14s
